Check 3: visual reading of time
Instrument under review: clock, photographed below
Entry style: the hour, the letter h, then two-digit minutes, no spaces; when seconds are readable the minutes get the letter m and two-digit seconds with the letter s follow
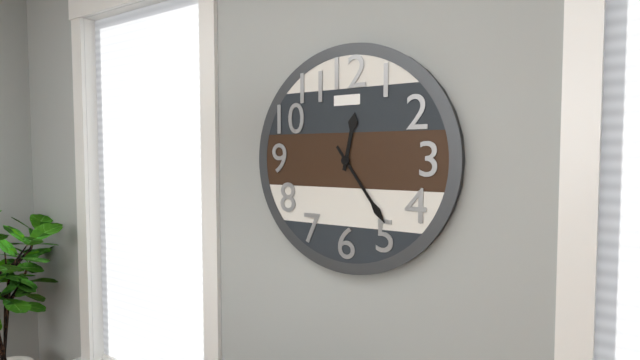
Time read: 12h24
